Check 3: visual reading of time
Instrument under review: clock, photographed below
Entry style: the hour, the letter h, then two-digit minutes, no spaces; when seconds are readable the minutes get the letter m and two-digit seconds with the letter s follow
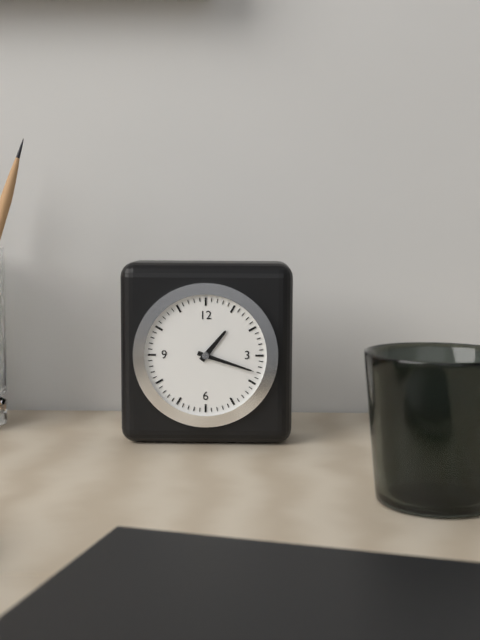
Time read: 1h18
